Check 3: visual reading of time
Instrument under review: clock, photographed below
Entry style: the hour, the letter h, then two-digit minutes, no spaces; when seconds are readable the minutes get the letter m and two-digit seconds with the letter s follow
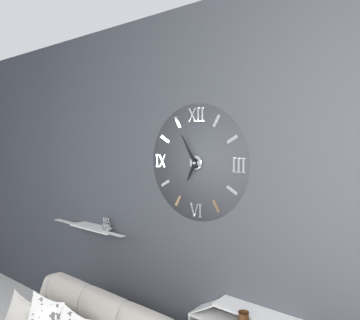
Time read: 6h55
